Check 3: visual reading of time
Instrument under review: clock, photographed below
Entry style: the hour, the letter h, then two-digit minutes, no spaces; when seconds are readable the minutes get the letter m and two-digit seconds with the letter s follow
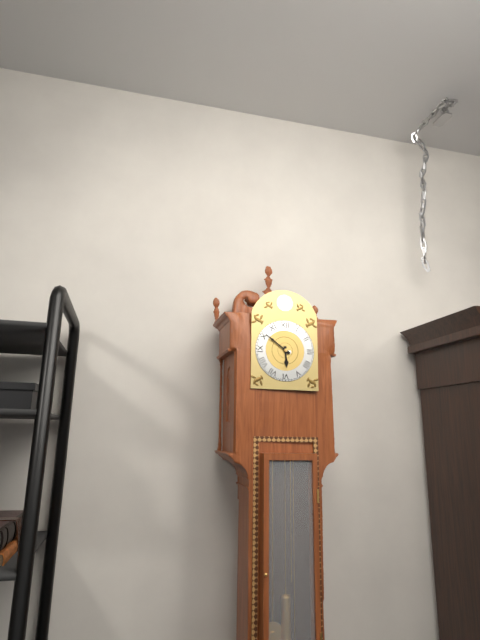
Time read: 5h51
